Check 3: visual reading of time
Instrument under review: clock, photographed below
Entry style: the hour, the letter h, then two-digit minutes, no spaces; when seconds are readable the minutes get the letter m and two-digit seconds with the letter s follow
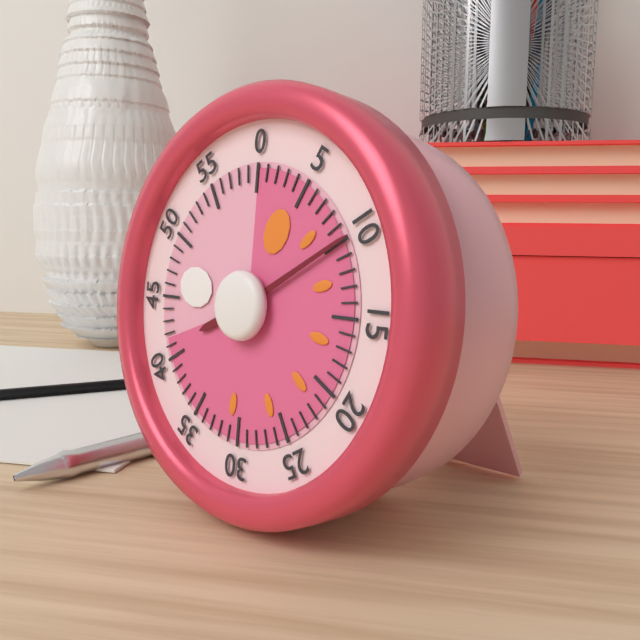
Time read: 8h10
